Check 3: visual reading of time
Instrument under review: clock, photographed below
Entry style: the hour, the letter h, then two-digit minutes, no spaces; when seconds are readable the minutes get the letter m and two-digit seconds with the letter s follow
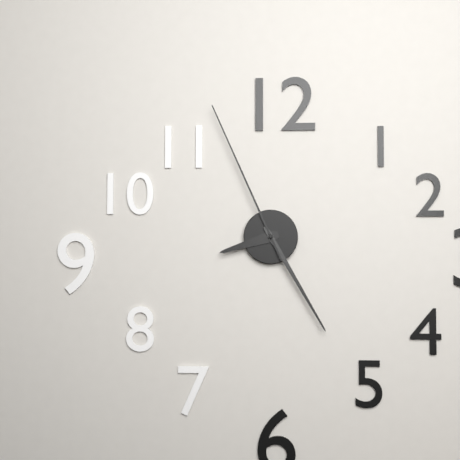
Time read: 8h25m56s
